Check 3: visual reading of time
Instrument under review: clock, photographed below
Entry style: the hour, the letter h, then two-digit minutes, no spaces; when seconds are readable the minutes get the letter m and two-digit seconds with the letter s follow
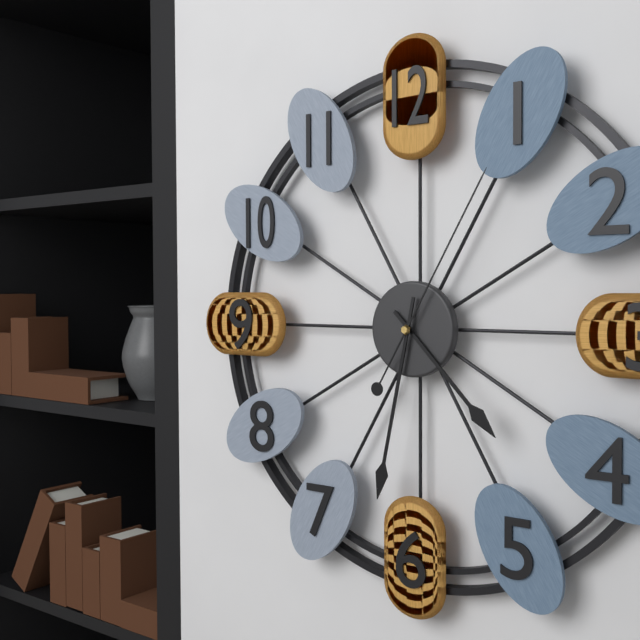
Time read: 4h32m05s
